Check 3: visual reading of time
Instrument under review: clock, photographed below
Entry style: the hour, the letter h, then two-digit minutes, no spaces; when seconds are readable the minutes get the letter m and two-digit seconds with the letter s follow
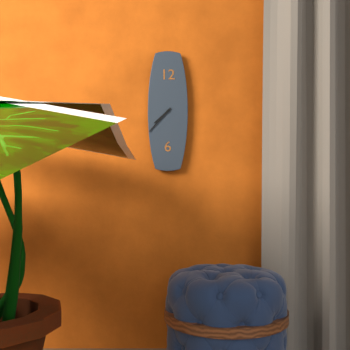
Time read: 7h37
